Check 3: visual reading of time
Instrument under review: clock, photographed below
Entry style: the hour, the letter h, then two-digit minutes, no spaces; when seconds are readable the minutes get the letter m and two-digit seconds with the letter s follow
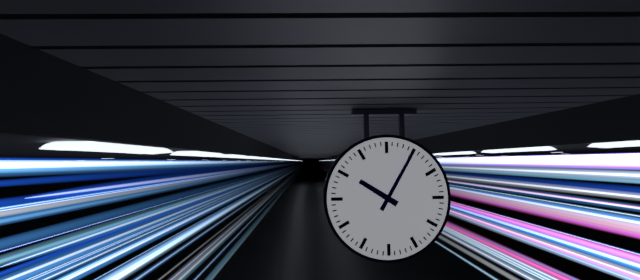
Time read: 10h05
